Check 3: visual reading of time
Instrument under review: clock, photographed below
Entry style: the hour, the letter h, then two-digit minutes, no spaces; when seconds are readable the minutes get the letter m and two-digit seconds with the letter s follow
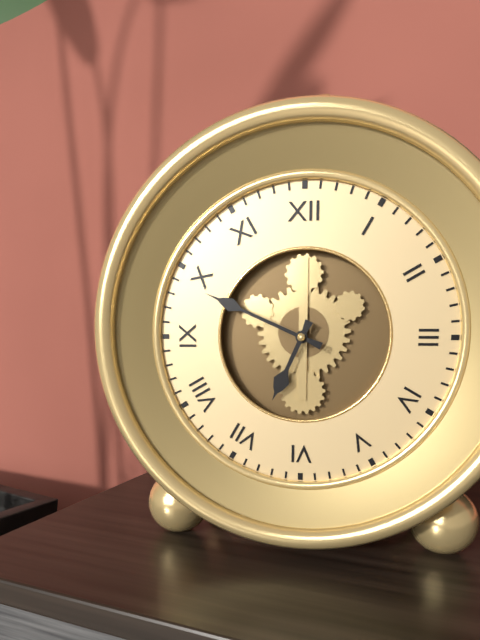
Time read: 6h49
